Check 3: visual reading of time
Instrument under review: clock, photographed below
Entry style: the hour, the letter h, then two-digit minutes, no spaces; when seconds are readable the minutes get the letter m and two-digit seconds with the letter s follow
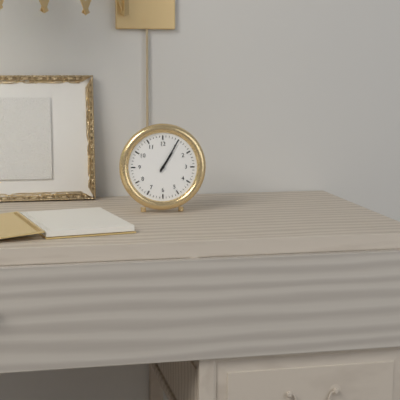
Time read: 1h05
